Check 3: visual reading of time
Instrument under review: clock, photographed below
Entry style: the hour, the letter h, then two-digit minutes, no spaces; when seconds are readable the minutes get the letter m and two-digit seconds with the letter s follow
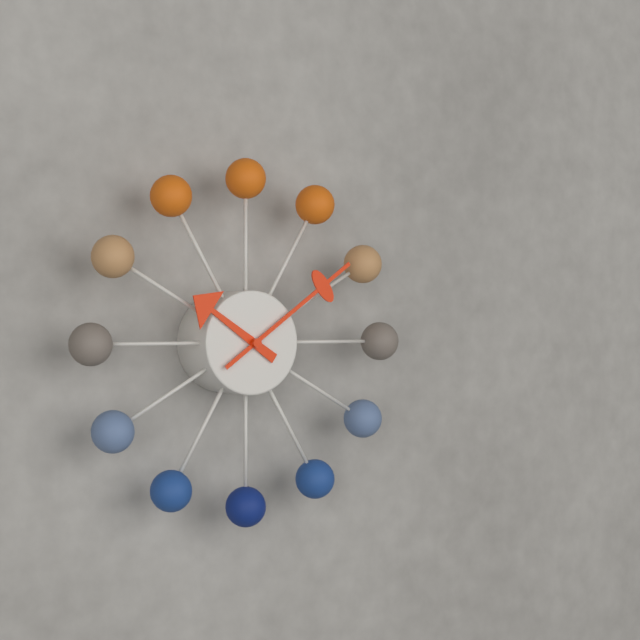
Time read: 10h09
